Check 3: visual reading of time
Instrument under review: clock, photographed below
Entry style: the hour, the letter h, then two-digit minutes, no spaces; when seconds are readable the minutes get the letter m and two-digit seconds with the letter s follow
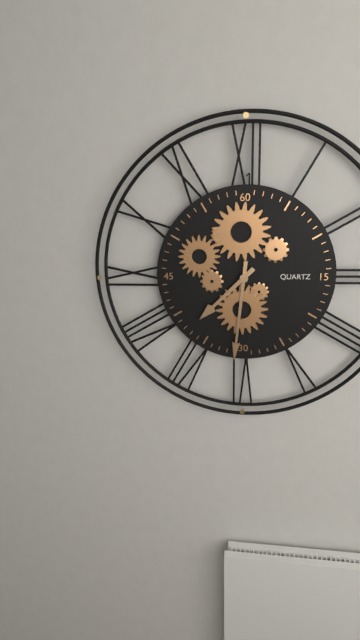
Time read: 7h31
